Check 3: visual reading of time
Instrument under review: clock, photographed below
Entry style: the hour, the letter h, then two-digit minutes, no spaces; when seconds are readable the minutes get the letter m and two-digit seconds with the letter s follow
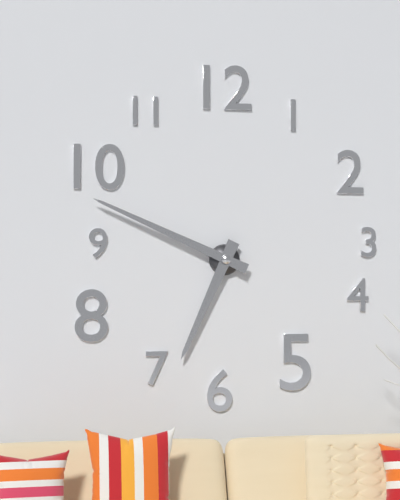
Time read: 6h49
